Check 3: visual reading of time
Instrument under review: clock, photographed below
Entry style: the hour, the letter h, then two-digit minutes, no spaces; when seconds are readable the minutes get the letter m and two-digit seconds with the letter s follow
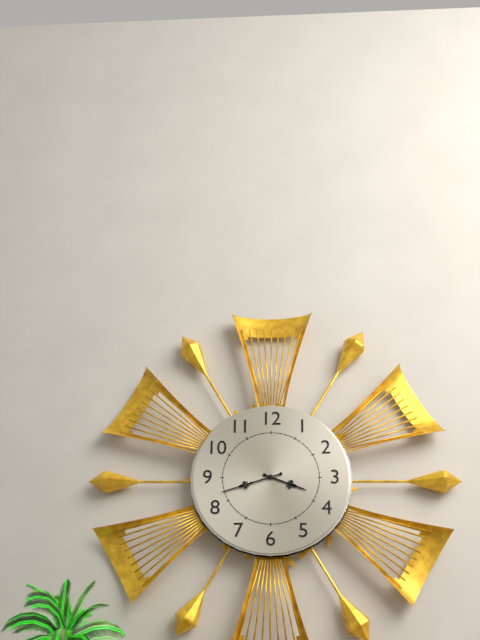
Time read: 3h42
